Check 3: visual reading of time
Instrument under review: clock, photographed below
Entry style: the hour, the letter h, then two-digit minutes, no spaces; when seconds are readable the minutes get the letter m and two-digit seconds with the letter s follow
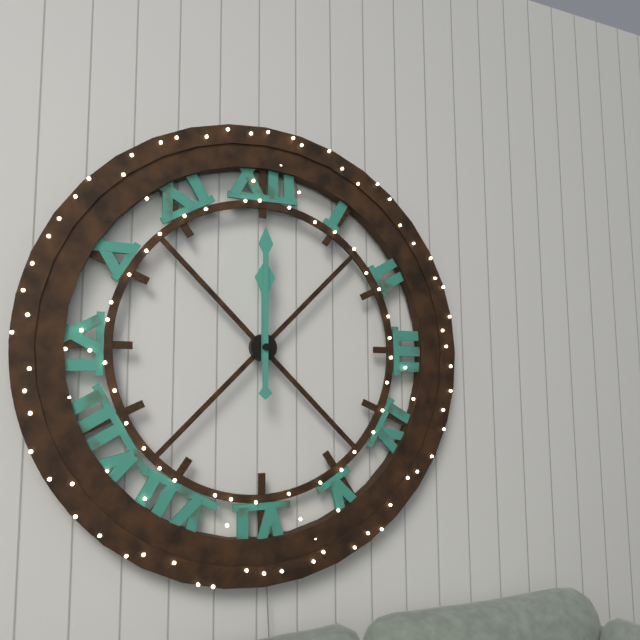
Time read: 12h00
